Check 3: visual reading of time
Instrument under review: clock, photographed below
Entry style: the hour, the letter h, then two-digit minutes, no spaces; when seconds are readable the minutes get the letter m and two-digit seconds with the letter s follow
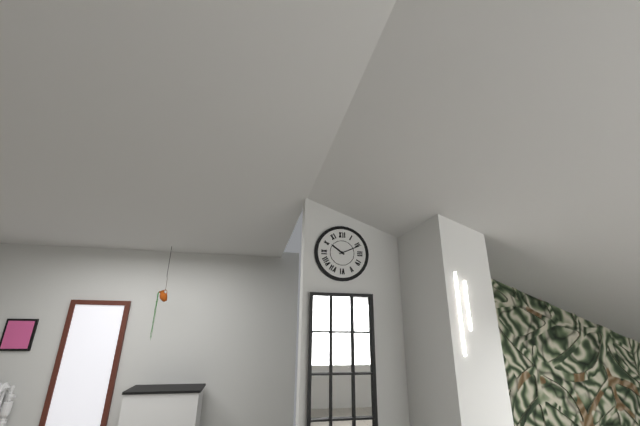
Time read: 10h11
